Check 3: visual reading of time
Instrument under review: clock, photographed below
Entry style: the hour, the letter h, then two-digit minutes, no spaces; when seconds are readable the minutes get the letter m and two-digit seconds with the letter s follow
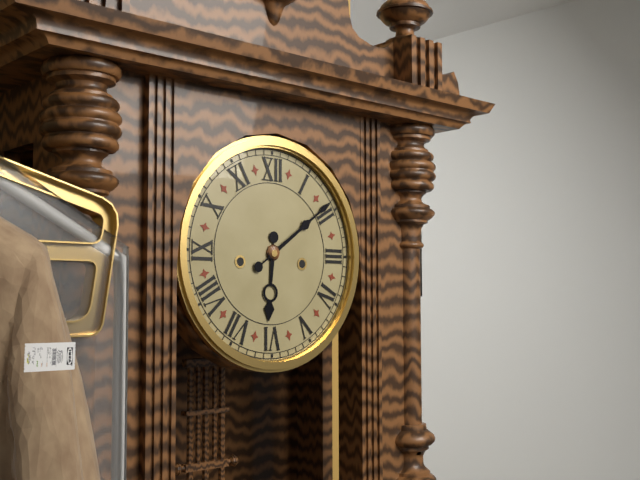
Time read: 6h09
